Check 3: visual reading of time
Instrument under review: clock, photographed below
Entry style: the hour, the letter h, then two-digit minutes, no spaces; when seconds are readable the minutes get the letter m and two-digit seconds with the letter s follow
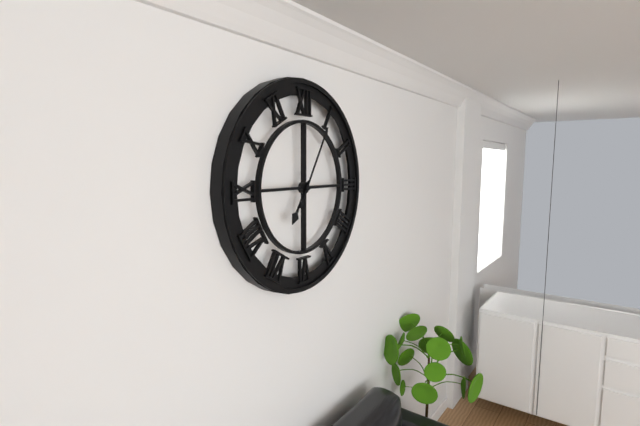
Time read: 7h05
